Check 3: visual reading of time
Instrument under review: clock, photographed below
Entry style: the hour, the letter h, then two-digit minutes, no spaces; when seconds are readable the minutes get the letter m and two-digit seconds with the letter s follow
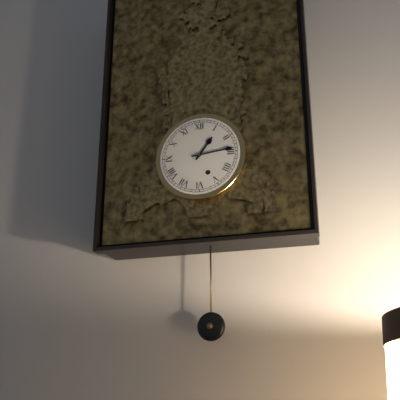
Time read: 1h14
